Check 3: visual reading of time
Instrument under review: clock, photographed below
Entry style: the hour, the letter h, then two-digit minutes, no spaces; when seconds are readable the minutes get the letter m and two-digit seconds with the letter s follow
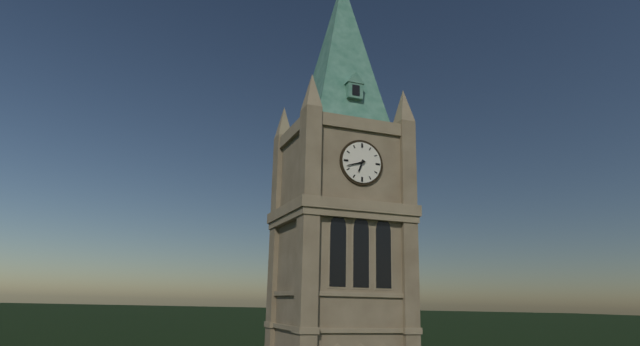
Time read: 6h42
